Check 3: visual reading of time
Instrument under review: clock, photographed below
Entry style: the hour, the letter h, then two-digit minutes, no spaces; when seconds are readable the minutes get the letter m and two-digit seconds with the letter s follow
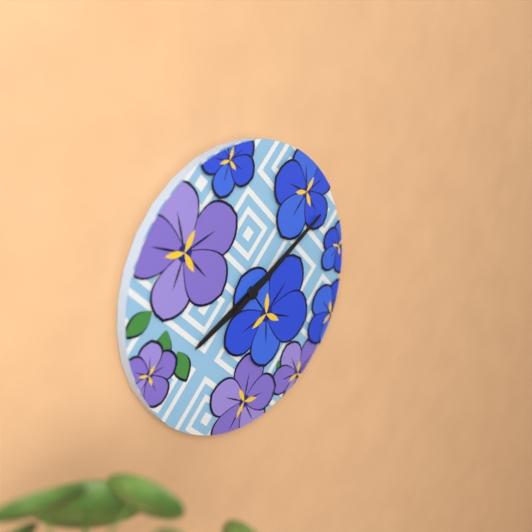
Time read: 8h10
